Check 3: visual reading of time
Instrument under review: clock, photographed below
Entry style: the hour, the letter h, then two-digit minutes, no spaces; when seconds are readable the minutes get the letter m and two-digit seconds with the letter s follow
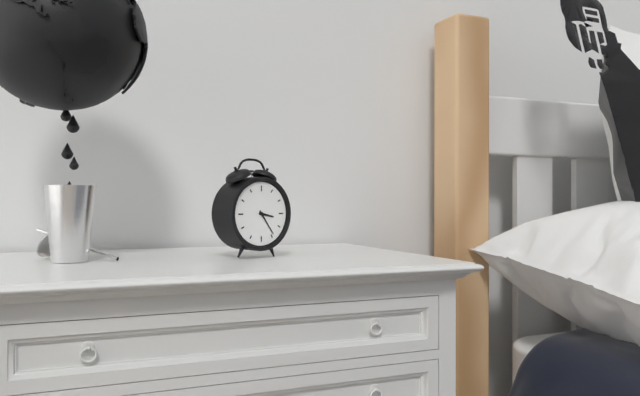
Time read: 3h24
